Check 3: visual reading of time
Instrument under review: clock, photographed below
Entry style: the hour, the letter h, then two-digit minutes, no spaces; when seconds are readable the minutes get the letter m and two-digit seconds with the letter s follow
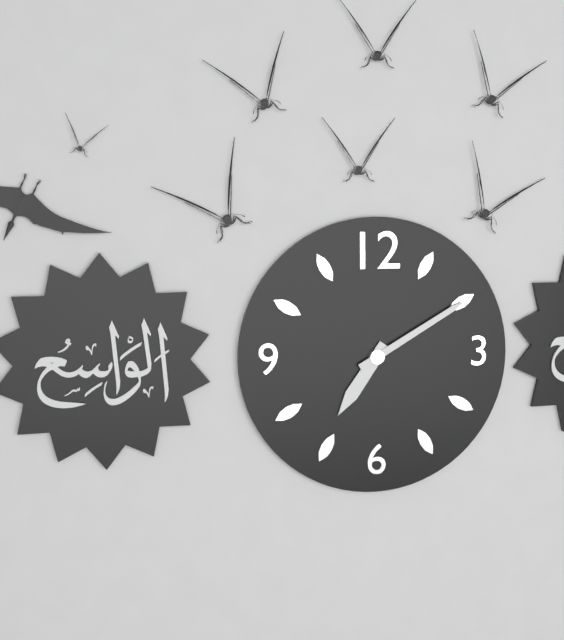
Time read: 7h10
